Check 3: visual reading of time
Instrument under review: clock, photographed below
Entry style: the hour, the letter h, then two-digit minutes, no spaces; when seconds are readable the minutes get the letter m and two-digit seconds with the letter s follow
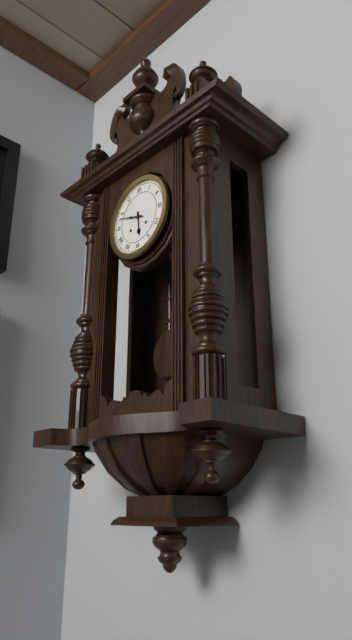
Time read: 5h48
